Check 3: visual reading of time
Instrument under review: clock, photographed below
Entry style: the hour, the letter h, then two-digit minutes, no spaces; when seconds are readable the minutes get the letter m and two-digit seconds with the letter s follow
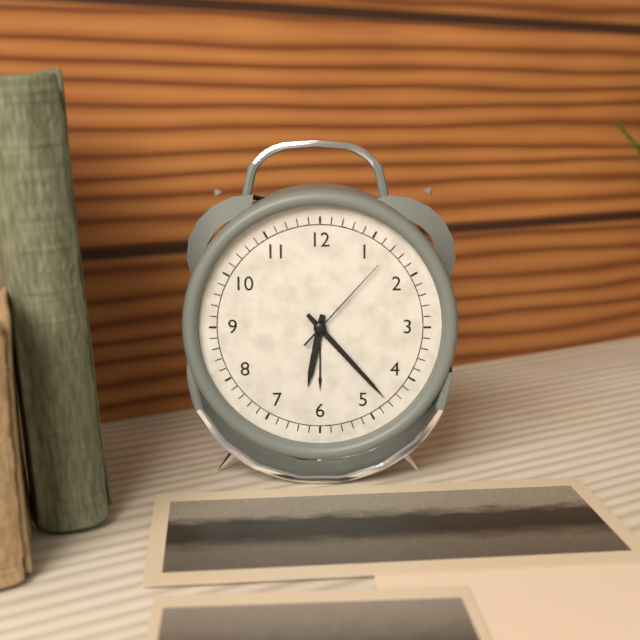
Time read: 6h23m07s
